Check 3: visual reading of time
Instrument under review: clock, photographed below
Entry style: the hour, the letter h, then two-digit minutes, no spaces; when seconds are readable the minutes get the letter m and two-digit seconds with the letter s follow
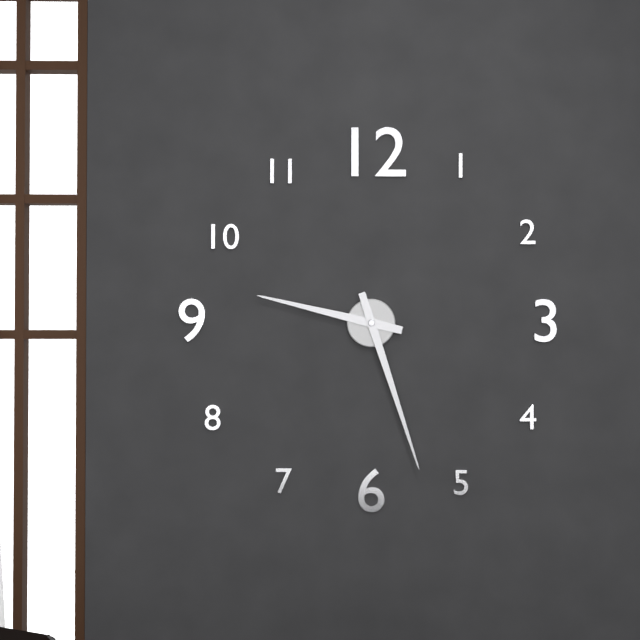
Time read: 9h27
